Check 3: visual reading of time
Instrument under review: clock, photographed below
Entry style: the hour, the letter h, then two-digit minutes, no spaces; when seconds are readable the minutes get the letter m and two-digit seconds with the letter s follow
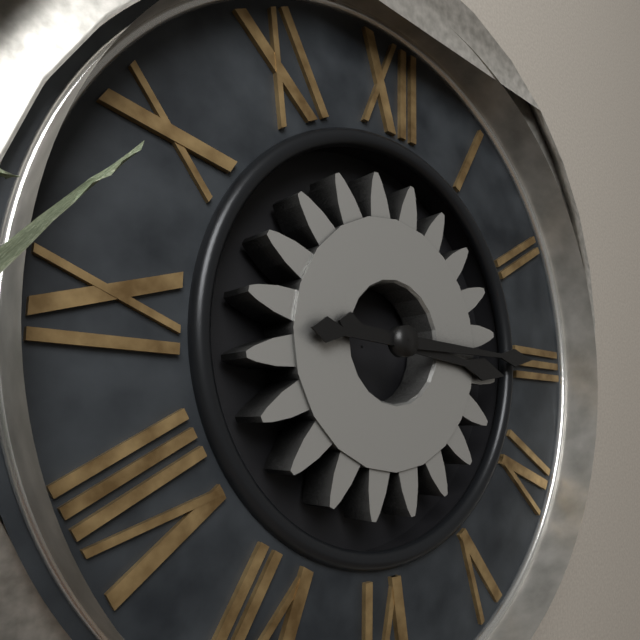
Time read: 3h15
